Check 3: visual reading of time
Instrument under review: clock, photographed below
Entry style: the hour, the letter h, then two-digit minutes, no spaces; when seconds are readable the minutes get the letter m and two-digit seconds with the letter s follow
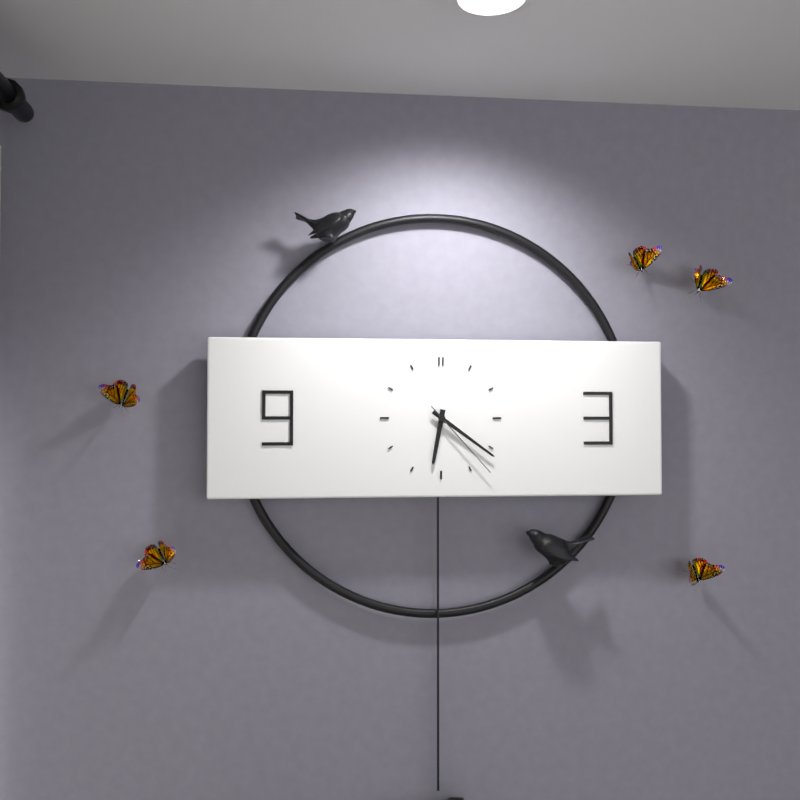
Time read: 6h21m23s
